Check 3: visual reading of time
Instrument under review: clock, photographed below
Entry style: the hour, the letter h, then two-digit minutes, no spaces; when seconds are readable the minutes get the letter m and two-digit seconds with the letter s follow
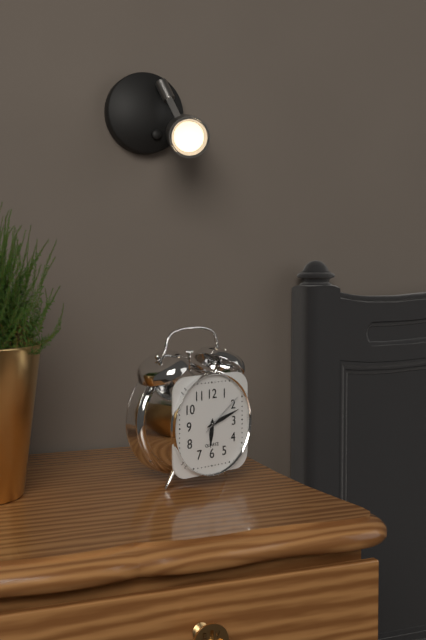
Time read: 6h12
